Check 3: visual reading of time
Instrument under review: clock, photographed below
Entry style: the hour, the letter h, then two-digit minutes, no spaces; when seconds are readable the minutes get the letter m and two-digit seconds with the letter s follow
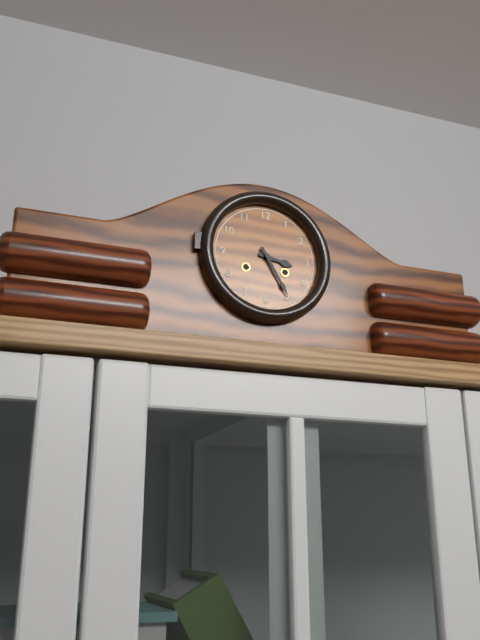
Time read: 3h25
